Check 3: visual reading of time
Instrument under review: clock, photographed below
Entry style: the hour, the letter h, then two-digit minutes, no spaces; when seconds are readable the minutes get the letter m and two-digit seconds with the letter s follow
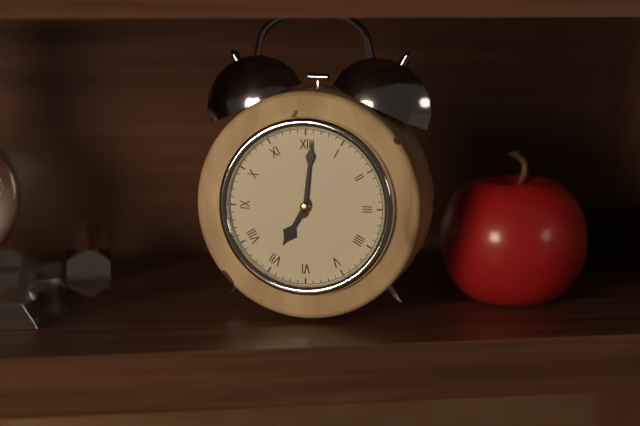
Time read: 7h01
